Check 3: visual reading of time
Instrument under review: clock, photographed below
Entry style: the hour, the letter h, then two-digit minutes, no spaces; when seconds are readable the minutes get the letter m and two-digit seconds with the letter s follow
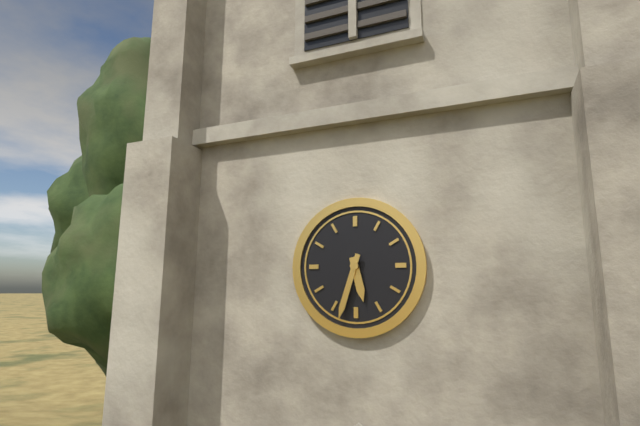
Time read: 5h33
